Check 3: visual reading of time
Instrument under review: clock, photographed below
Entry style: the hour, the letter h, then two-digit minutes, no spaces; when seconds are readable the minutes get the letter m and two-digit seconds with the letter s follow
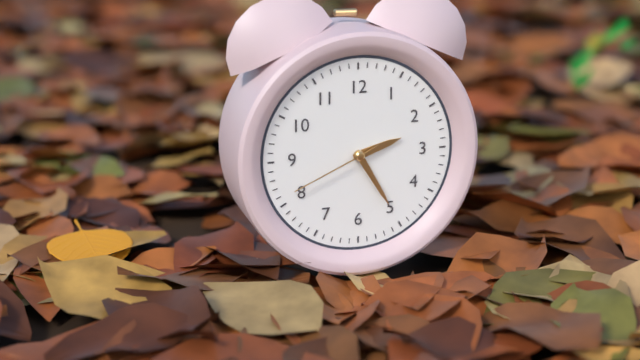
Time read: 2h25m41s
